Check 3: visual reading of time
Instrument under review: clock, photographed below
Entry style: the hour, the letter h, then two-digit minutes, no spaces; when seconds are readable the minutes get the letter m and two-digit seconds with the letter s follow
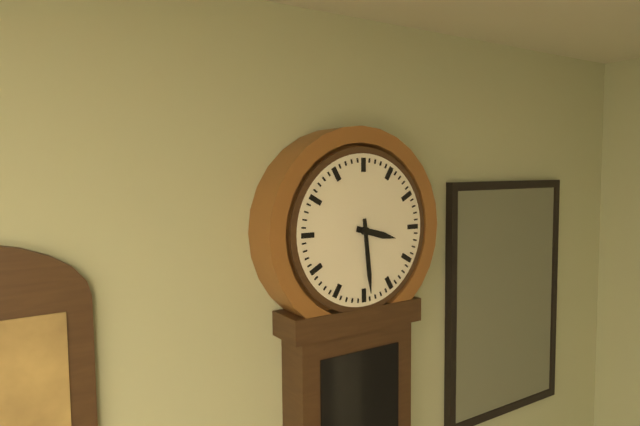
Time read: 3h29
